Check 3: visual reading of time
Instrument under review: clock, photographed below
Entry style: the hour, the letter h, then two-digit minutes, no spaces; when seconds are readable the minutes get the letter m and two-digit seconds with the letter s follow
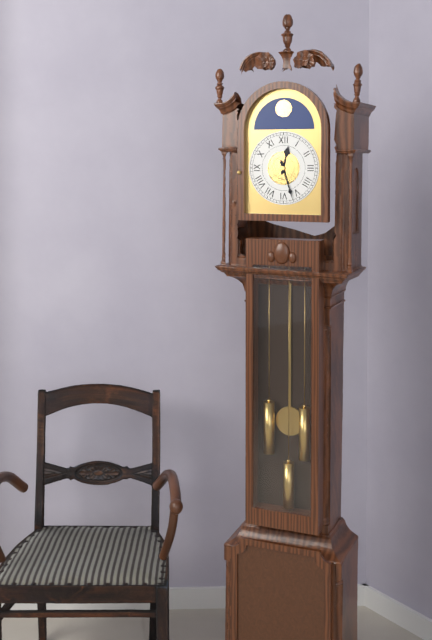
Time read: 12h27
